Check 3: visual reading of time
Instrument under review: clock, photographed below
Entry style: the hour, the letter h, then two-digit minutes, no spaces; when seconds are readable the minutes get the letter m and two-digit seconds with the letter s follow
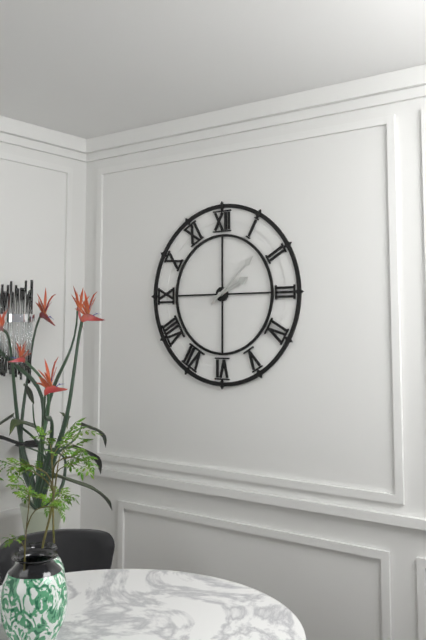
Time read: 2h08
